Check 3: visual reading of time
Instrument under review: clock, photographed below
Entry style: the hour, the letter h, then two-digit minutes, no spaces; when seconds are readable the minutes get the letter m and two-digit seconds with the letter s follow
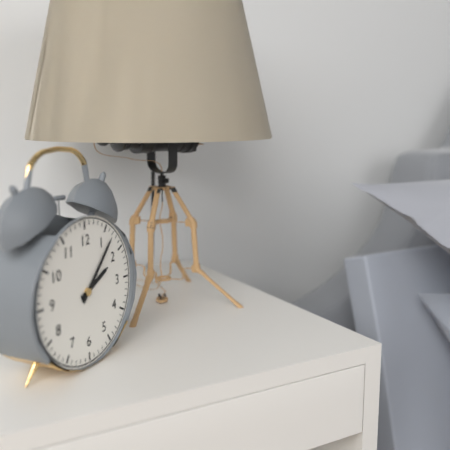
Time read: 2h07
